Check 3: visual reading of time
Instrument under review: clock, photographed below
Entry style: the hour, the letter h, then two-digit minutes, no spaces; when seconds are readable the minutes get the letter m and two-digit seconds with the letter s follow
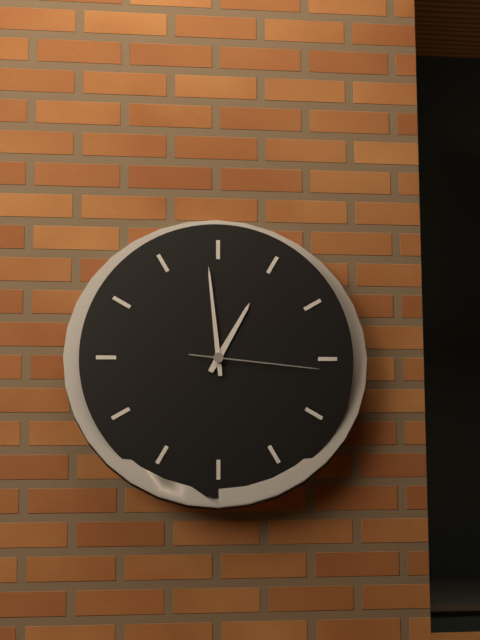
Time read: 12h59m16s
